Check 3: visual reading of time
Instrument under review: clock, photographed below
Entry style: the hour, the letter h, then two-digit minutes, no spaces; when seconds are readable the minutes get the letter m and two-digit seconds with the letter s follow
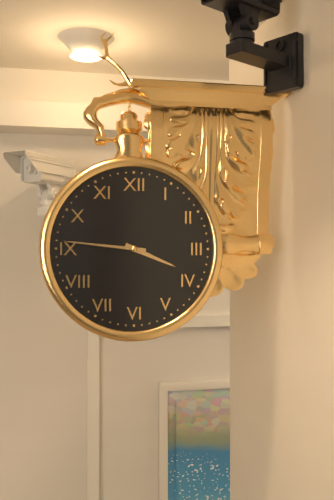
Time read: 3h46
